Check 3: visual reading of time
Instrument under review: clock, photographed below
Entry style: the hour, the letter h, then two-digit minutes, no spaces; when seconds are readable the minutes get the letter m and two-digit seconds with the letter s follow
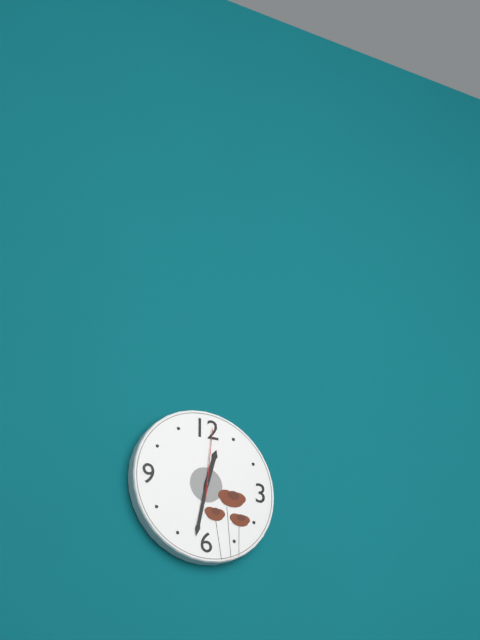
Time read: 12h32m01s
